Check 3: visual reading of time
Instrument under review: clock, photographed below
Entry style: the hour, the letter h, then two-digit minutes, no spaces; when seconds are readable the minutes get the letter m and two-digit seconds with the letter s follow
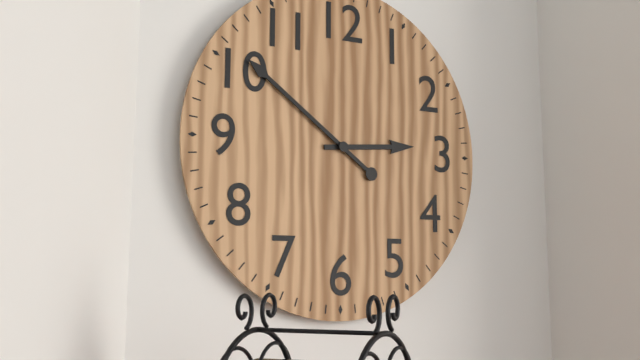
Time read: 2h51
